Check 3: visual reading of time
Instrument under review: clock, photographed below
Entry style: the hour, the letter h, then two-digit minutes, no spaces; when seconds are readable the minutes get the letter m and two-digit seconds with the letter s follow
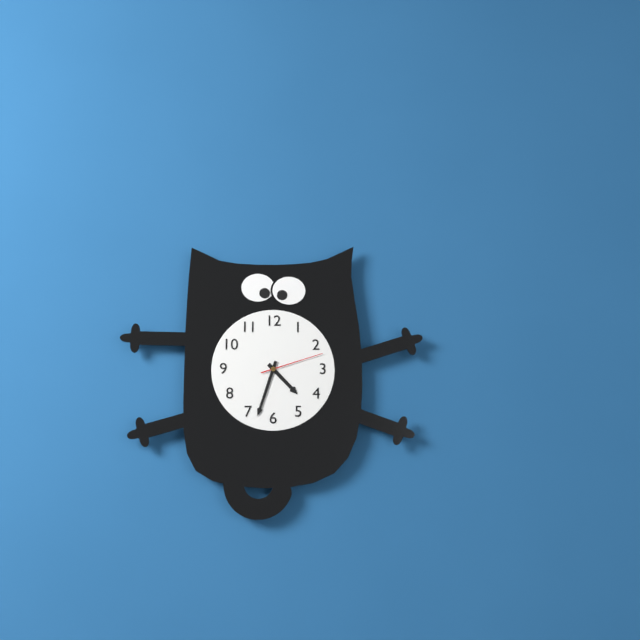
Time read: 4h33m12s
